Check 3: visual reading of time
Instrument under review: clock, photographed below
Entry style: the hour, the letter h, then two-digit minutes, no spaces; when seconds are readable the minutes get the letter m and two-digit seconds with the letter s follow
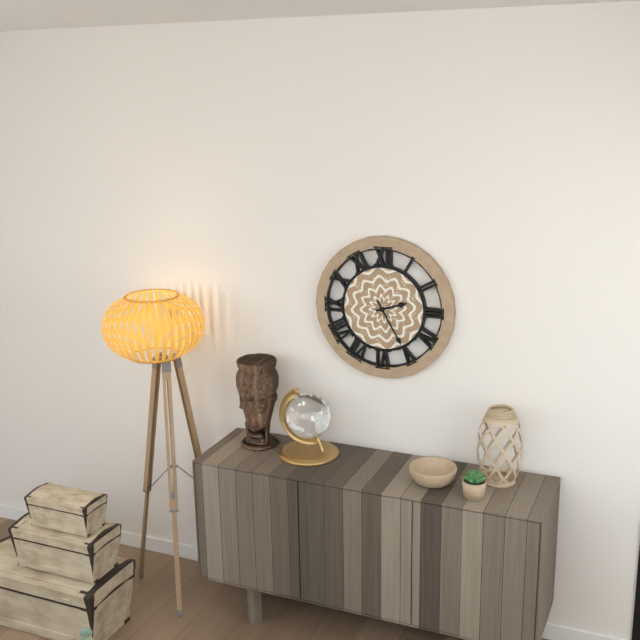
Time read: 2h25
